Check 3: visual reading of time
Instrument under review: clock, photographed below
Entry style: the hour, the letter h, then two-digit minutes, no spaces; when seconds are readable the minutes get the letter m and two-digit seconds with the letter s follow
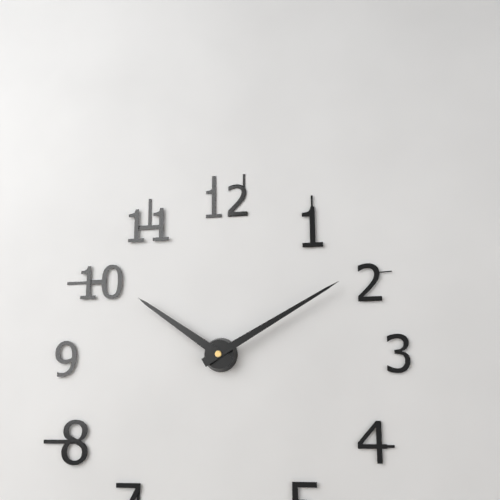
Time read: 10h10
